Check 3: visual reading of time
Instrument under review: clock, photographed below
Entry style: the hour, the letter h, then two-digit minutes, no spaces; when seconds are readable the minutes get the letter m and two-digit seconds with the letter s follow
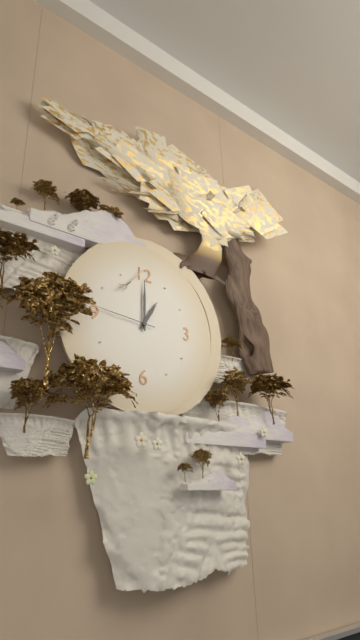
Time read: 1h00m46s
